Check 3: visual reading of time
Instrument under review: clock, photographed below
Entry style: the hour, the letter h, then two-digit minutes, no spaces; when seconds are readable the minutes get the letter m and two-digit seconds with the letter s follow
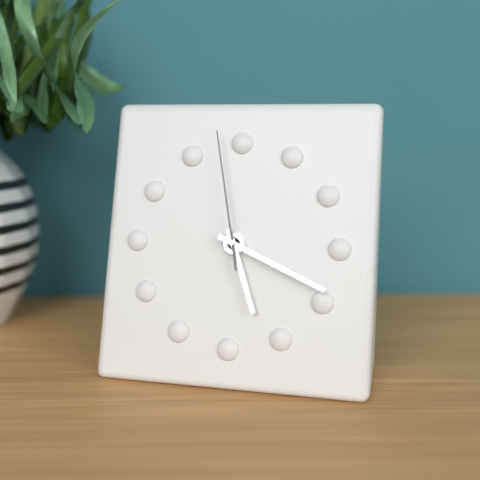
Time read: 5h19m58s
